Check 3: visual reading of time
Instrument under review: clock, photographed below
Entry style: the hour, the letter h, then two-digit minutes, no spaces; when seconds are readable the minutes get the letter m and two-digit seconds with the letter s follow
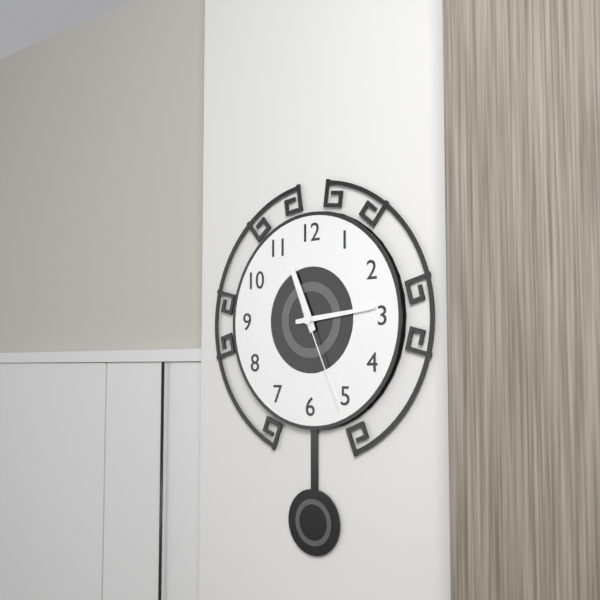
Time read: 11h14m26s
